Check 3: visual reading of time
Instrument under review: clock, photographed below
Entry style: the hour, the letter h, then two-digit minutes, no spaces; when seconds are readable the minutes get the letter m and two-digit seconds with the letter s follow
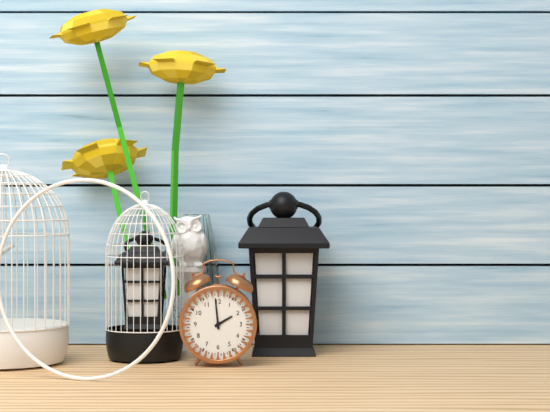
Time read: 1h59
